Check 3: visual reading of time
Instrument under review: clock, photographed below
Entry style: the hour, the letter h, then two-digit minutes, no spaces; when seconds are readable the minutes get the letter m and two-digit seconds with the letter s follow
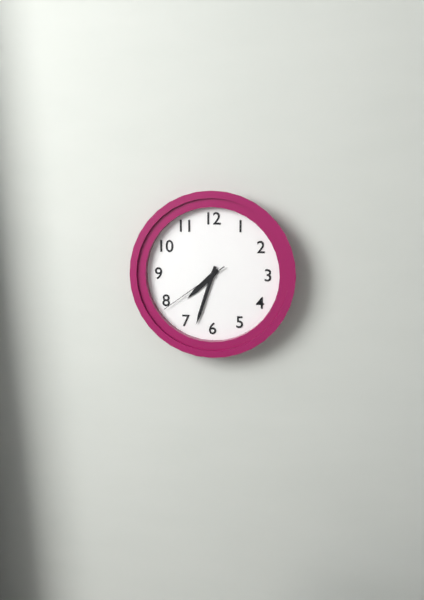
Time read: 7h33m39s
